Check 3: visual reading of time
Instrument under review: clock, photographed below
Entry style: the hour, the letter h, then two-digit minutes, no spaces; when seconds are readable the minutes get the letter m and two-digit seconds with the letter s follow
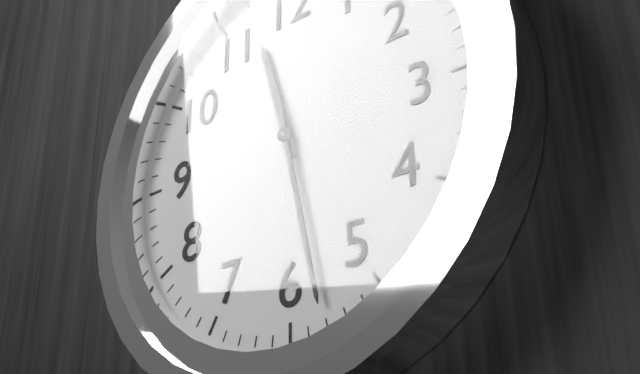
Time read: 11h28
